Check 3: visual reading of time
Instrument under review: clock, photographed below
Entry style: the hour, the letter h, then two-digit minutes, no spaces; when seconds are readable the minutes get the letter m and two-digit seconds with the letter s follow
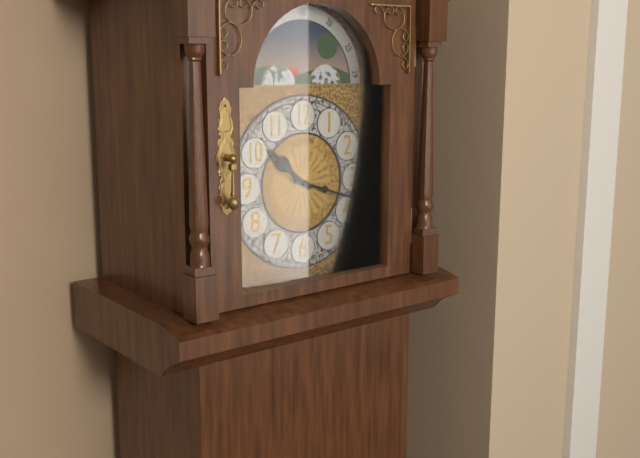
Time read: 10h18
